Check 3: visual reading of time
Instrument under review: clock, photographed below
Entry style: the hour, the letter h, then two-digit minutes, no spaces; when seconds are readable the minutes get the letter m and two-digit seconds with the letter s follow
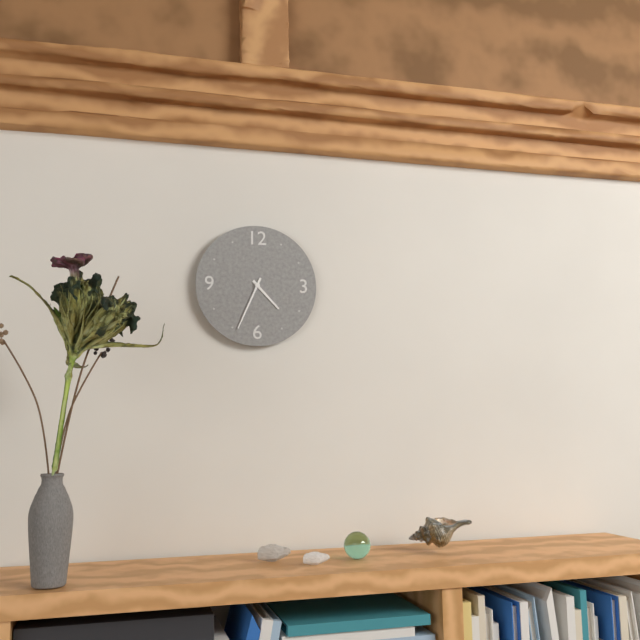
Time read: 4h34
